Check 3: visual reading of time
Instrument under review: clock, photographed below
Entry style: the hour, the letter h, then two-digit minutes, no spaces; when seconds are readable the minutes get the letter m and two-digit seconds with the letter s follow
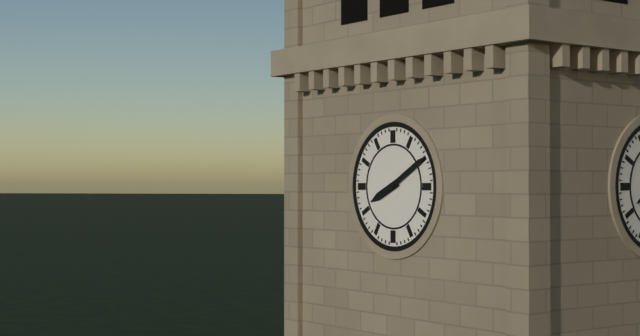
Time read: 8h10
